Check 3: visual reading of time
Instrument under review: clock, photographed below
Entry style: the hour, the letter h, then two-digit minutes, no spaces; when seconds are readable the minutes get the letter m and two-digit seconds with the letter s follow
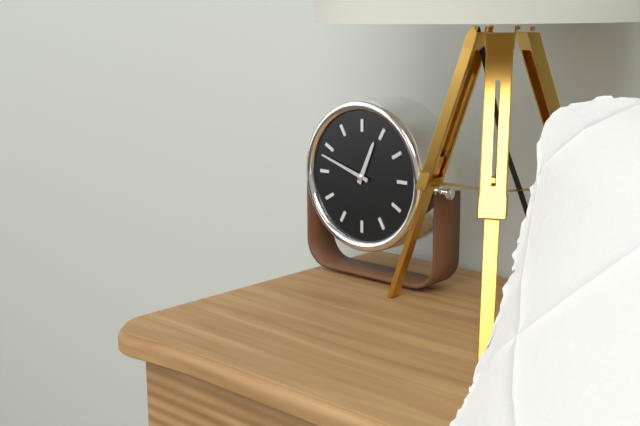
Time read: 12h48
